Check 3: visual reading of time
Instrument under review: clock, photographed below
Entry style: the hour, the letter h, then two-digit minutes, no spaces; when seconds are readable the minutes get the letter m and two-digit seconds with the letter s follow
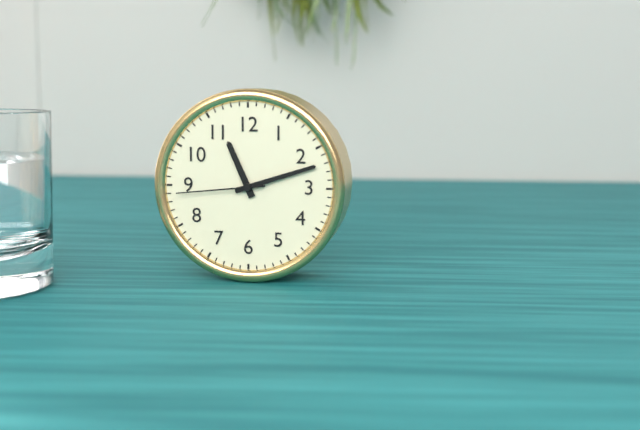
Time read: 11h12m44s
